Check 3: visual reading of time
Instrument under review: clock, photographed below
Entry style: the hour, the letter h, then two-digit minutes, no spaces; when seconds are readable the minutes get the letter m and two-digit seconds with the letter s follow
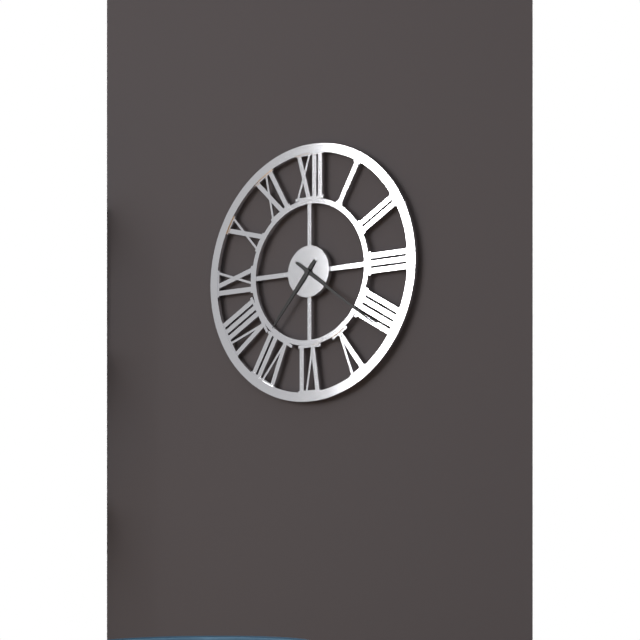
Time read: 7h21
